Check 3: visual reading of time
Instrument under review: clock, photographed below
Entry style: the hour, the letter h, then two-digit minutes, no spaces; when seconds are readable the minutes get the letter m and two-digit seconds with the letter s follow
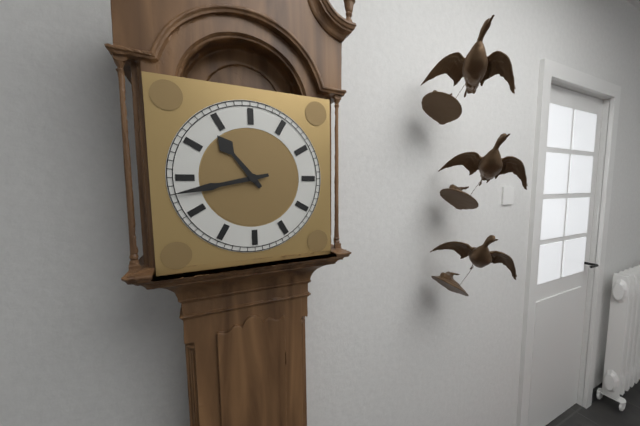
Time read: 10h43
